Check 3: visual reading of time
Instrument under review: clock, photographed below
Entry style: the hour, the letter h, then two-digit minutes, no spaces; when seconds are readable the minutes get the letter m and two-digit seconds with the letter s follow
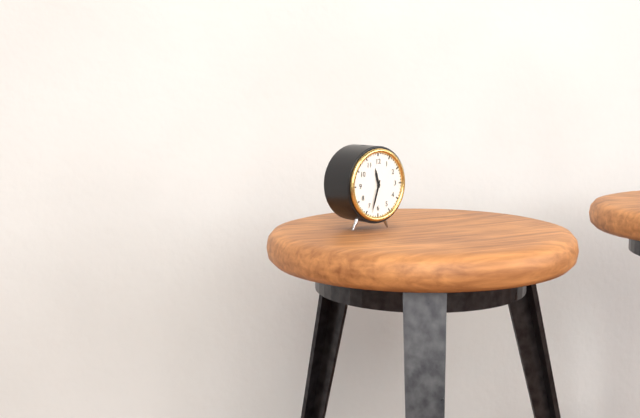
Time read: 11h33
